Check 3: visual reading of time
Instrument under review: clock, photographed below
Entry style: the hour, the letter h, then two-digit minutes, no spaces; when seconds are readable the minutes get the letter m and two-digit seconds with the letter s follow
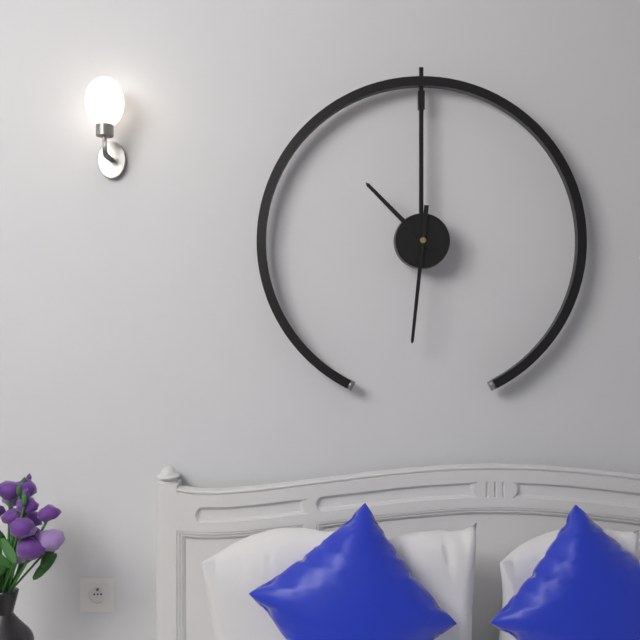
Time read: 10h31
